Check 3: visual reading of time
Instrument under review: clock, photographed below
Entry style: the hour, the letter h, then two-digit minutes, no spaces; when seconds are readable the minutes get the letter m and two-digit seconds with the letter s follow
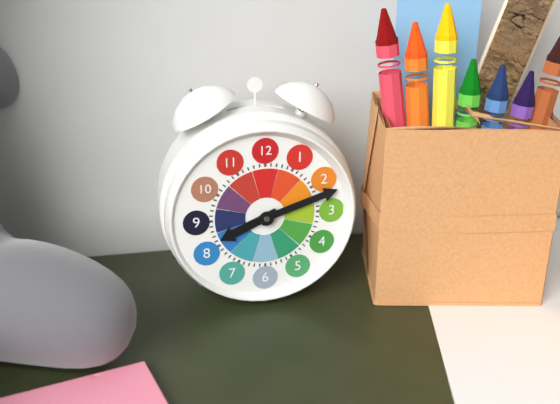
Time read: 8h12
